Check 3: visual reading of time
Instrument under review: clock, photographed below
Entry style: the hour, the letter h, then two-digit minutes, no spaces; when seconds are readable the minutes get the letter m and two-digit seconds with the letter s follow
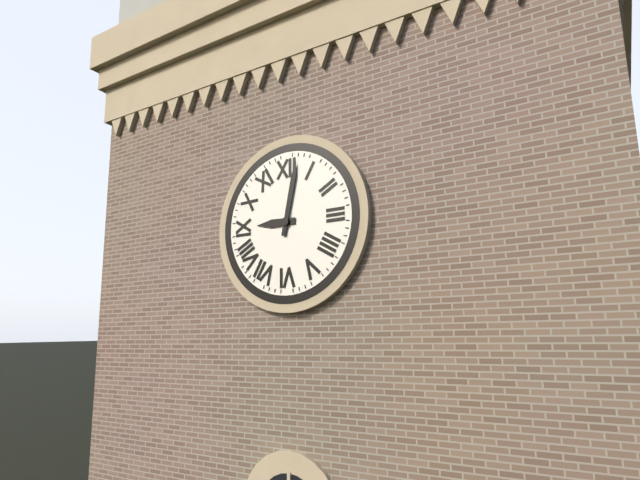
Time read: 9h02
